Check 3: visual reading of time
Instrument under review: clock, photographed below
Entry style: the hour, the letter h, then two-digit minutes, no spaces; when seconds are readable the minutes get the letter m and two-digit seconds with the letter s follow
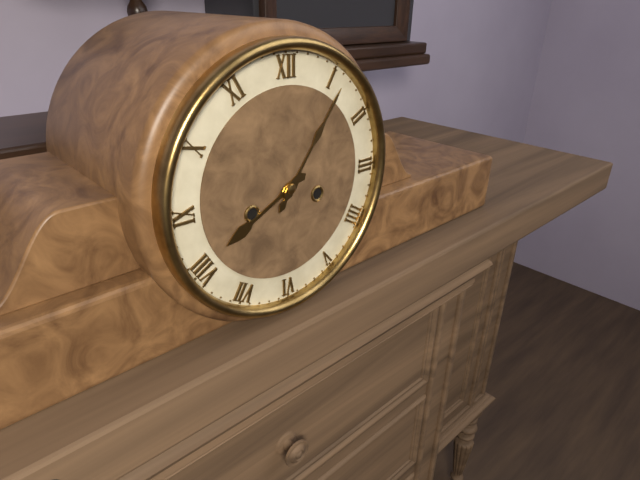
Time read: 8h06
